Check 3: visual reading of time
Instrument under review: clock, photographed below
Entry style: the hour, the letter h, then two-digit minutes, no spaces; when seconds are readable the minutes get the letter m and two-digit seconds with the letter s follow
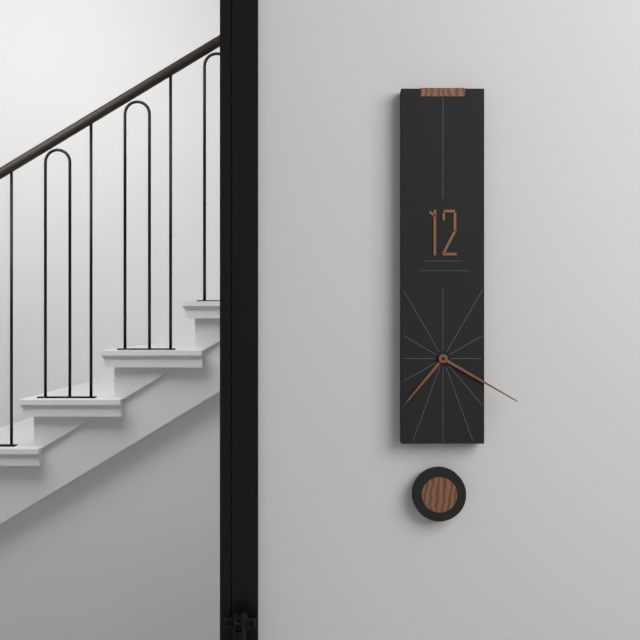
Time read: 7h20
